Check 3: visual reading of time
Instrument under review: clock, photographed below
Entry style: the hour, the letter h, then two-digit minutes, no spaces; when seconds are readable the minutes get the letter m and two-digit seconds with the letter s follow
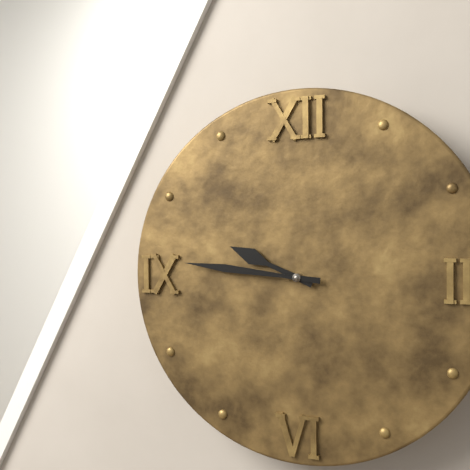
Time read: 9h46
